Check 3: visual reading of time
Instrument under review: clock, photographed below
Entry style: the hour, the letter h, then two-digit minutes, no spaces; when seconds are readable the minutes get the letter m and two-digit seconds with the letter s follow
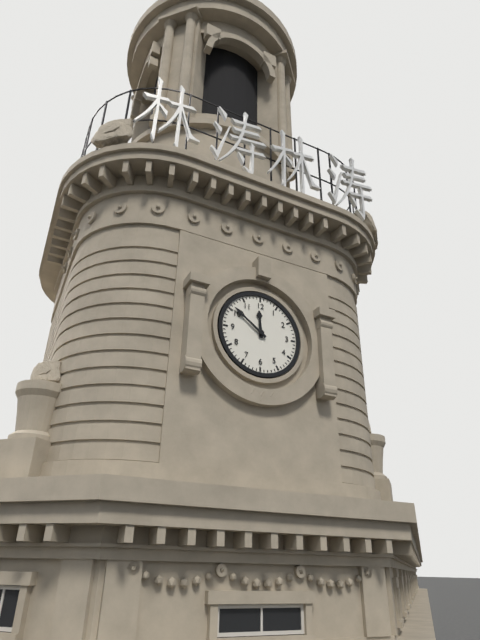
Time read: 11h51
